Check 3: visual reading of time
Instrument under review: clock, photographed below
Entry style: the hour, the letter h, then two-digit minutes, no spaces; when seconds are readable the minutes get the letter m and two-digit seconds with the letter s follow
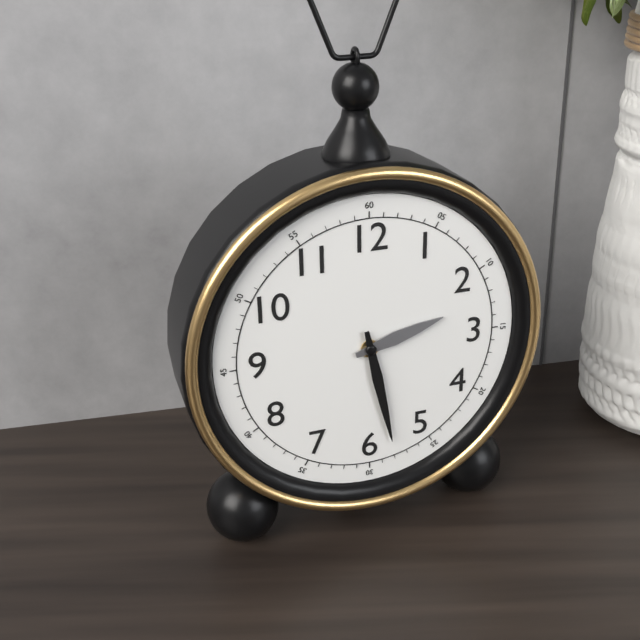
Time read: 2h28
